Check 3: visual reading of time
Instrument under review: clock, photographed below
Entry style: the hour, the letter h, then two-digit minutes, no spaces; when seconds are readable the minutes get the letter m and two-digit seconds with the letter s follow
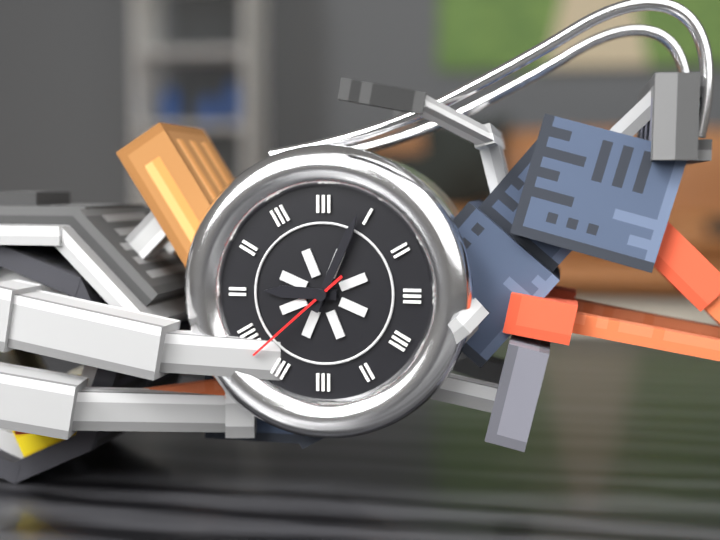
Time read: 9h04m38s
